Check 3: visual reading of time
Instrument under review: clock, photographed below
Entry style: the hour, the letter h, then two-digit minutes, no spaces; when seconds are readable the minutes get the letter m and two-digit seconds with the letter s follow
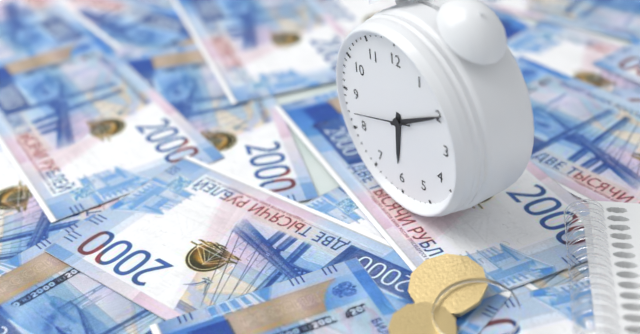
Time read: 6h10m42s
